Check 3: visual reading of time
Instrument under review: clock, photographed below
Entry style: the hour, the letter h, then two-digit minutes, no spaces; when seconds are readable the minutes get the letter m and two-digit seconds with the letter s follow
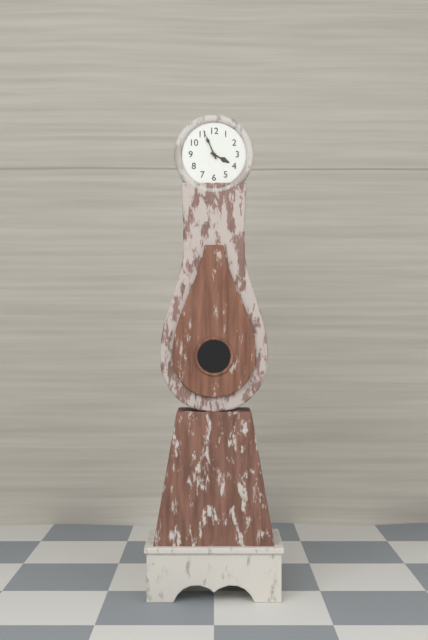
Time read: 3h56
